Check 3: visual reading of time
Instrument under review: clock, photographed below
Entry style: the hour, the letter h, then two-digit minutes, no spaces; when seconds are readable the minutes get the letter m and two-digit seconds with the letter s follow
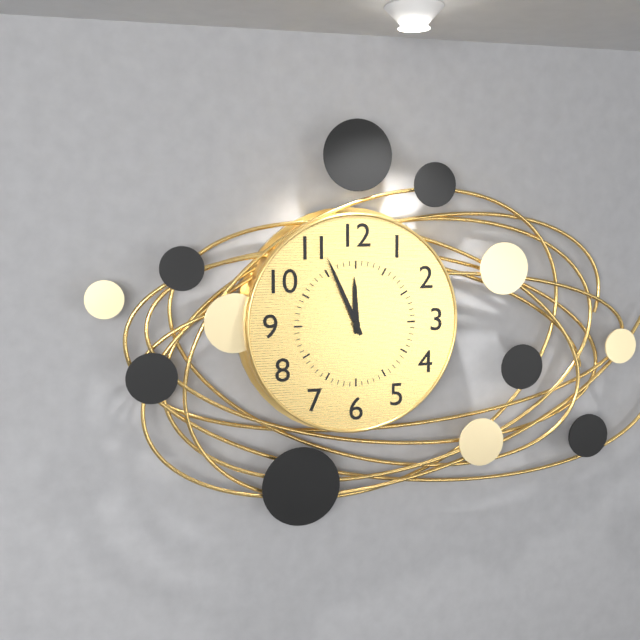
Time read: 11h56
